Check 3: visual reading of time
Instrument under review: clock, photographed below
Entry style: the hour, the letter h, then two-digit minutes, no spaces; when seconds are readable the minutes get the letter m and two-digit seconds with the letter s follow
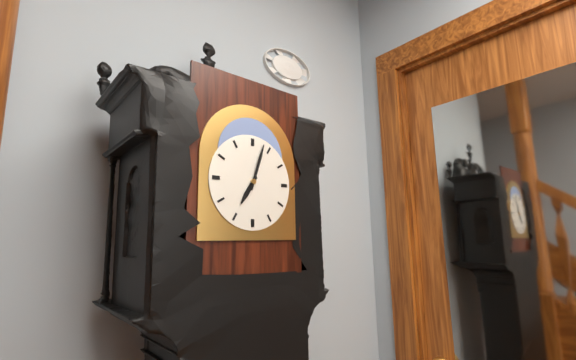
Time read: 7h03
